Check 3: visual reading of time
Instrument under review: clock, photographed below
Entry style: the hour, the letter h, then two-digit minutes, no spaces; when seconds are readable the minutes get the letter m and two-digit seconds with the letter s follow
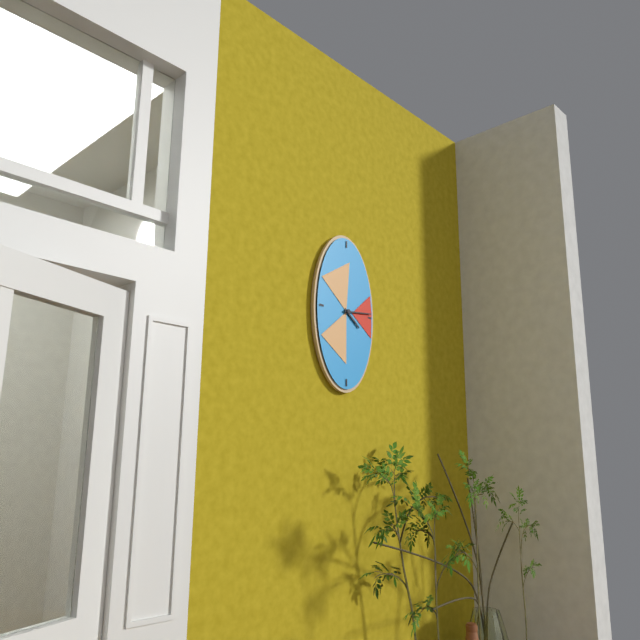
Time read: 4h14
